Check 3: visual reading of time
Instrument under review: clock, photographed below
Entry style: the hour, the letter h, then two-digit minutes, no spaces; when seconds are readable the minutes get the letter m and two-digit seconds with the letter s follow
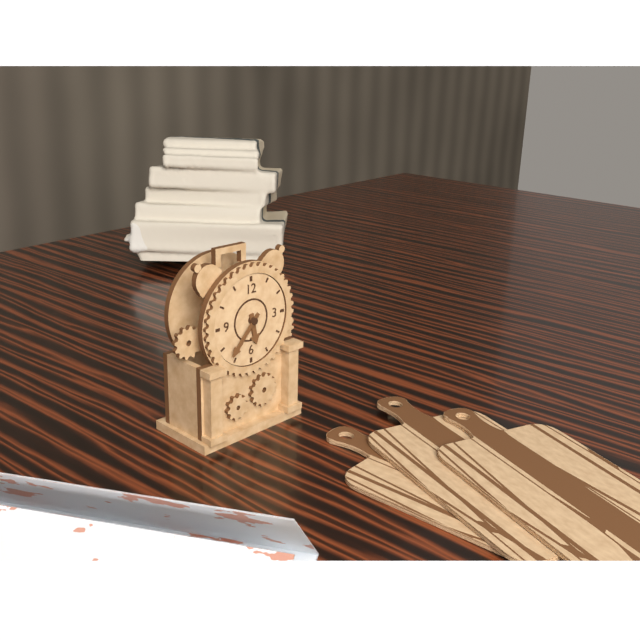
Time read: 5h37
